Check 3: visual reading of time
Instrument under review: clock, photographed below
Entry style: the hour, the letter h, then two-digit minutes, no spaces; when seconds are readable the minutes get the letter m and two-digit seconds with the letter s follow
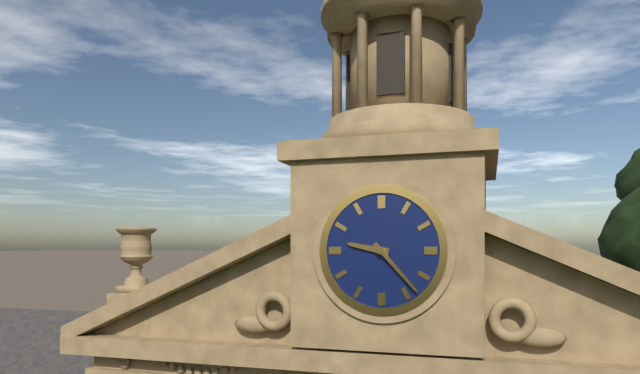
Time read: 9h23
